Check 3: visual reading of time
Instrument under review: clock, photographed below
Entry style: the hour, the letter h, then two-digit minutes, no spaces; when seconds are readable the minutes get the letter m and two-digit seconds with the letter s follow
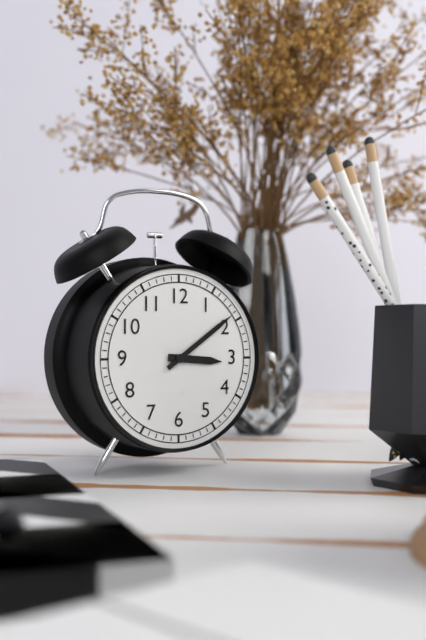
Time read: 3h09
